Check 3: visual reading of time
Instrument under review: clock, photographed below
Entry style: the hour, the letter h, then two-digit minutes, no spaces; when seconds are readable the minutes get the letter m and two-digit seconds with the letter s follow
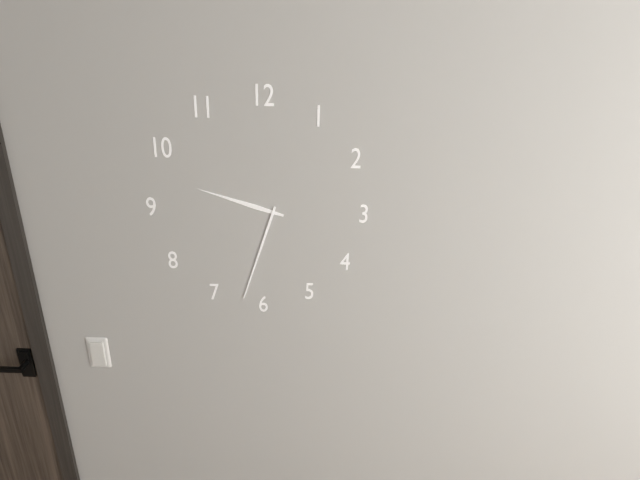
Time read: 9h33
